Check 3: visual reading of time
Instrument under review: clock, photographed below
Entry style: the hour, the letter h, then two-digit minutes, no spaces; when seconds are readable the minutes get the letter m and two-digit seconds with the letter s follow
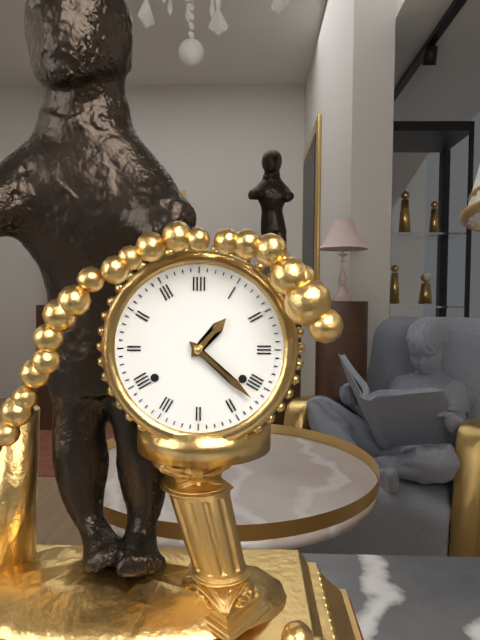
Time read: 1h22
